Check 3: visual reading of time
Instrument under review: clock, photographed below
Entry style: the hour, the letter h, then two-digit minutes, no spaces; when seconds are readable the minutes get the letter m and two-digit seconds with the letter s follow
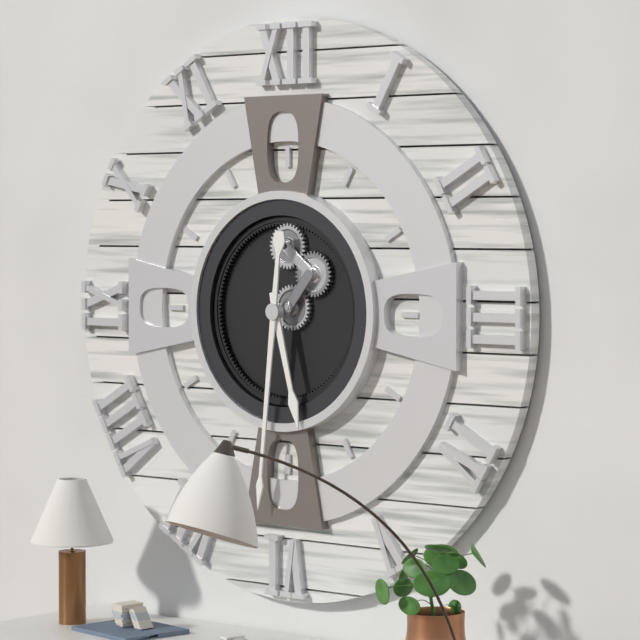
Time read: 5h31
